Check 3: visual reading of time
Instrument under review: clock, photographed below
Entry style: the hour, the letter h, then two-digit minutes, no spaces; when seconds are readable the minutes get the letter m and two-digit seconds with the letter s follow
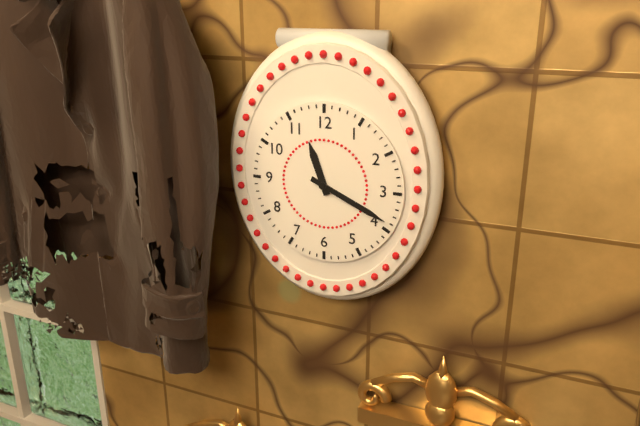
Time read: 11h19
